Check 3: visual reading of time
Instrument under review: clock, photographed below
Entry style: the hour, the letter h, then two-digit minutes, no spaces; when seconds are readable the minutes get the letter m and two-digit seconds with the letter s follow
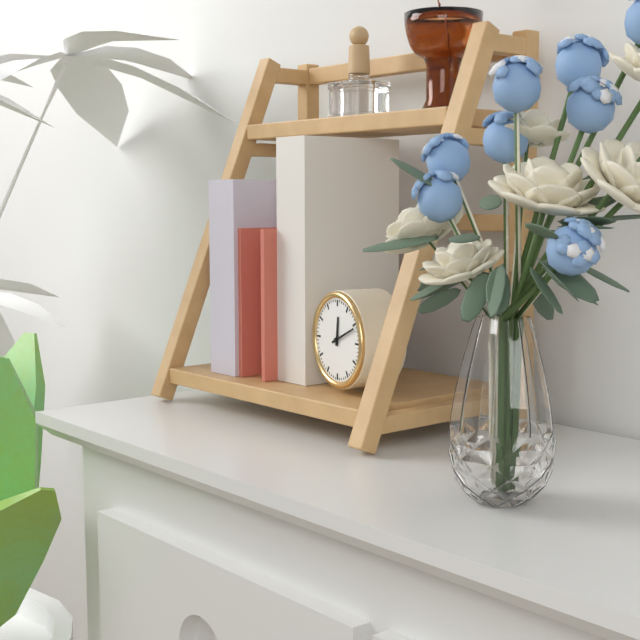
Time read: 12h11
